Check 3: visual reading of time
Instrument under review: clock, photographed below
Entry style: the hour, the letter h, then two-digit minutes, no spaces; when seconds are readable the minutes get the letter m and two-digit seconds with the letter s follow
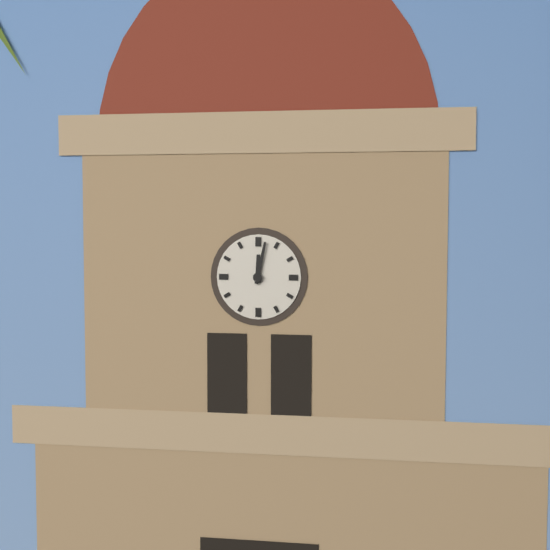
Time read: 12h02
